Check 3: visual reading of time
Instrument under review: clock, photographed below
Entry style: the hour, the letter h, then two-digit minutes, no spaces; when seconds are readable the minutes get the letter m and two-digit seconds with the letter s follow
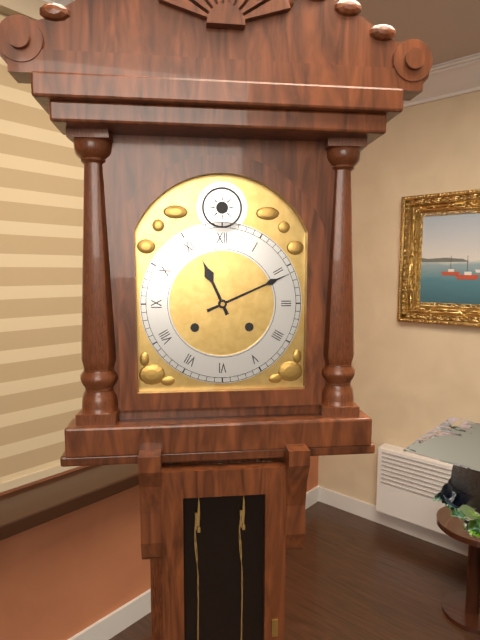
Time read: 11h11
